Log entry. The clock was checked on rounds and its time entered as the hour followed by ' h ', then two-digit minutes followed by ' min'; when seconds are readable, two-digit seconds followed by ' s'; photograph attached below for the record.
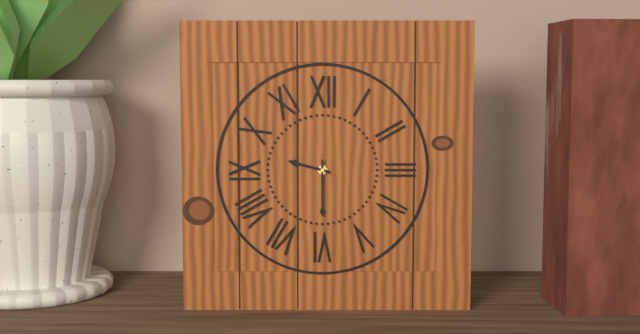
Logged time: 9 h 30 min
